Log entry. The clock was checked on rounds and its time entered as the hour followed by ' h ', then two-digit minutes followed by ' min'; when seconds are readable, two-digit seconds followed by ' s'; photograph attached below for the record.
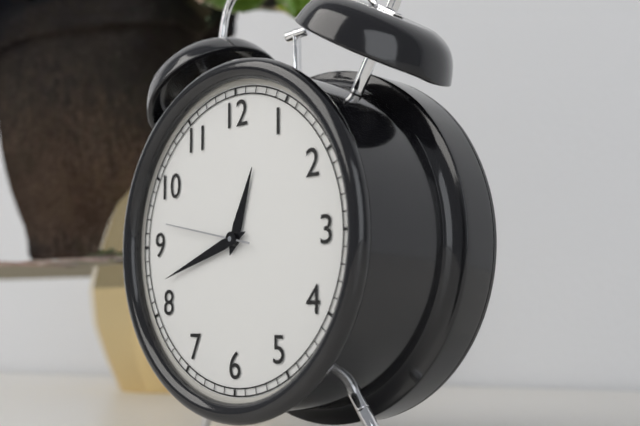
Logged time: 12 h 42 min 47 s
